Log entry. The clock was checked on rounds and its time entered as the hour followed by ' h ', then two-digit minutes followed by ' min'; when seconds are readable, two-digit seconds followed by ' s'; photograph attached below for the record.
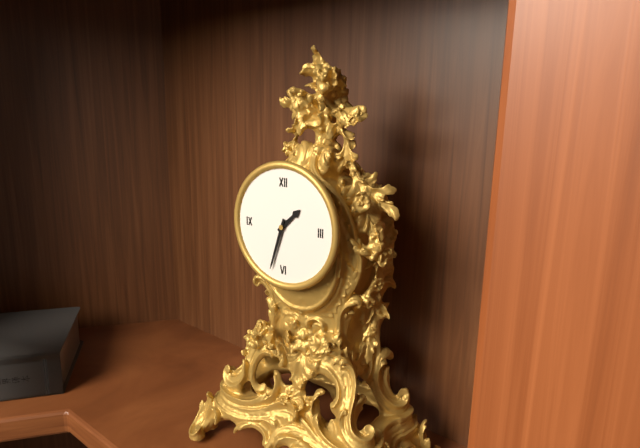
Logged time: 1 h 33 min
